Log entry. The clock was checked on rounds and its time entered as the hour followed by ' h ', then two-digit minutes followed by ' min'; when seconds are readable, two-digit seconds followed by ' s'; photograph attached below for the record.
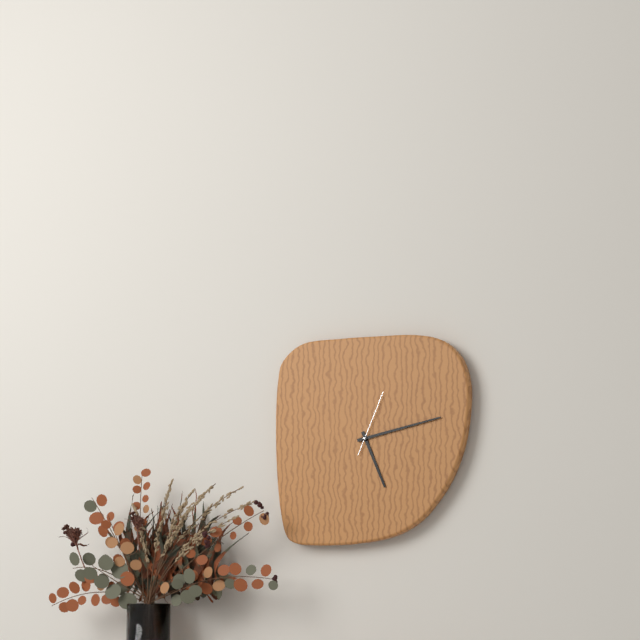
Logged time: 5 h 13 min 04 s
